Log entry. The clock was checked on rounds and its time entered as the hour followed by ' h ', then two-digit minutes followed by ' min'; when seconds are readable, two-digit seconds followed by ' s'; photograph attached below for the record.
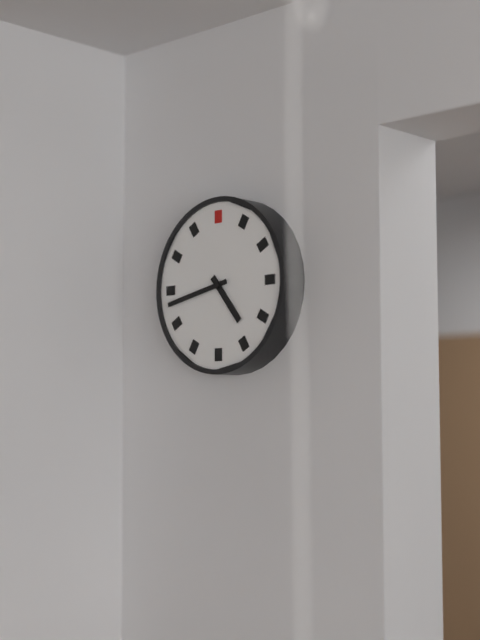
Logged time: 4 h 43 min
